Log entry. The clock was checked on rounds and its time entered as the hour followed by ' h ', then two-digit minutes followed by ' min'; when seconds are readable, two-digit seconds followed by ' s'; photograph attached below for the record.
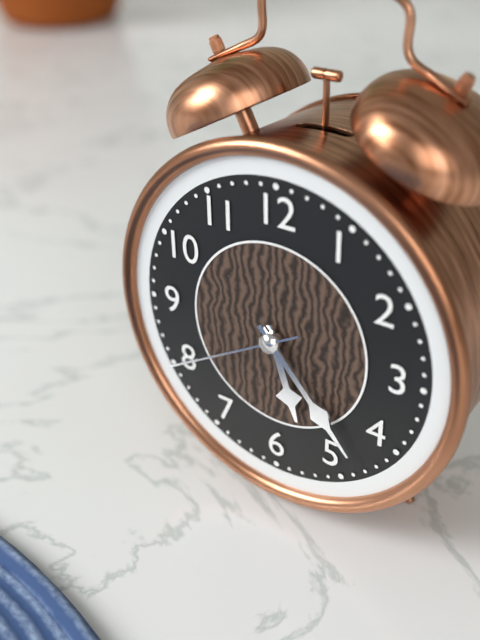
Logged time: 5 h 23 min 40 s
